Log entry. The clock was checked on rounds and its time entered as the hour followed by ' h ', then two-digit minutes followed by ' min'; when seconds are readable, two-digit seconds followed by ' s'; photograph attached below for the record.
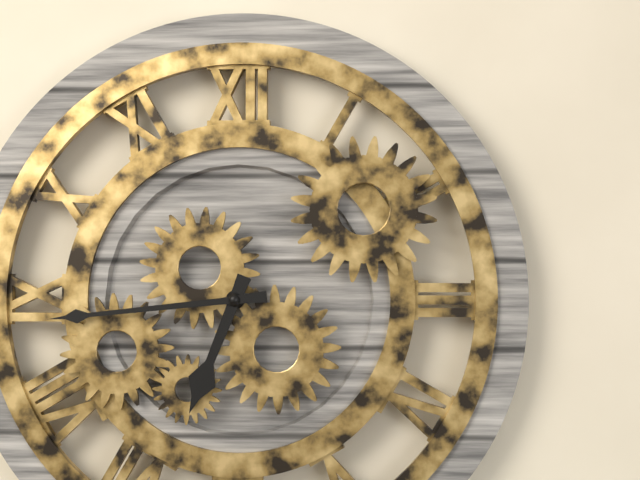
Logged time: 6 h 44 min
